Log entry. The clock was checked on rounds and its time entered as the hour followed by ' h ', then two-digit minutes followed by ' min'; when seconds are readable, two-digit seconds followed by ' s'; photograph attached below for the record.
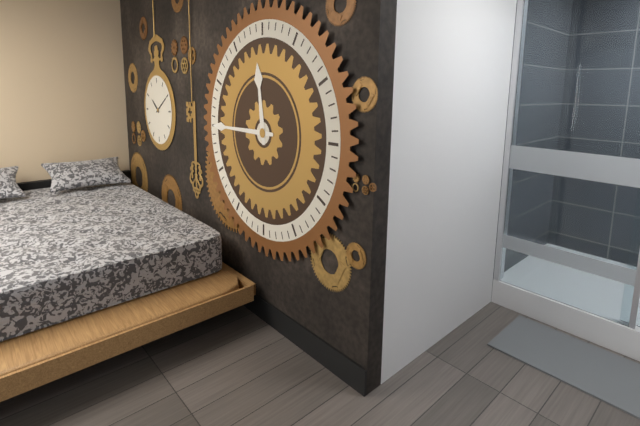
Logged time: 11 h 45 min
